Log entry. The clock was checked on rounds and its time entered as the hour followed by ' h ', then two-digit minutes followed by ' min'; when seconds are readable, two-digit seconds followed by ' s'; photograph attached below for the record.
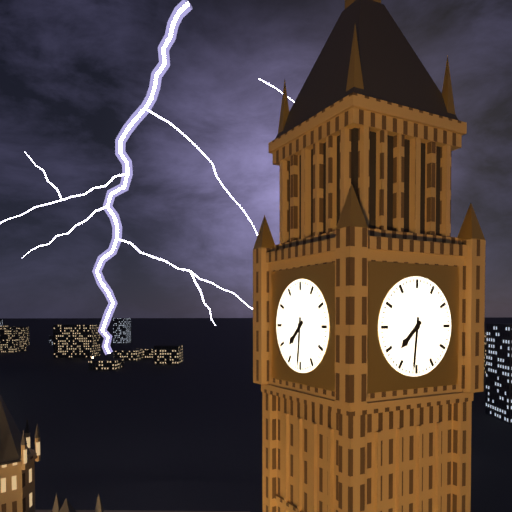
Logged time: 7 h 31 min
